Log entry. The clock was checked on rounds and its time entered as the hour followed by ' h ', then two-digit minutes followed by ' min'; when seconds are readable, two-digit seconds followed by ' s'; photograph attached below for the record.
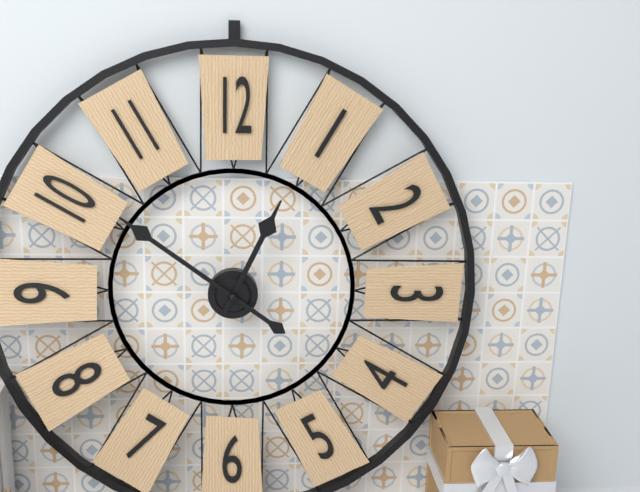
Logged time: 12 h 51 min
